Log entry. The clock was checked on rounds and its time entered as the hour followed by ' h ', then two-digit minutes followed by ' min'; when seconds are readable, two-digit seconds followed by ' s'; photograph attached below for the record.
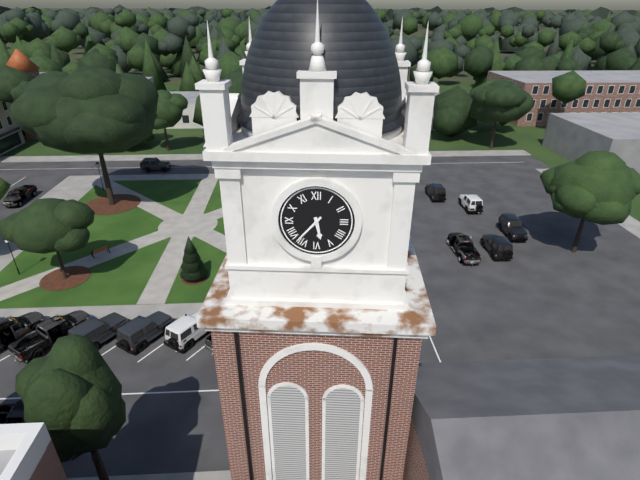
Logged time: 5 h 37 min
